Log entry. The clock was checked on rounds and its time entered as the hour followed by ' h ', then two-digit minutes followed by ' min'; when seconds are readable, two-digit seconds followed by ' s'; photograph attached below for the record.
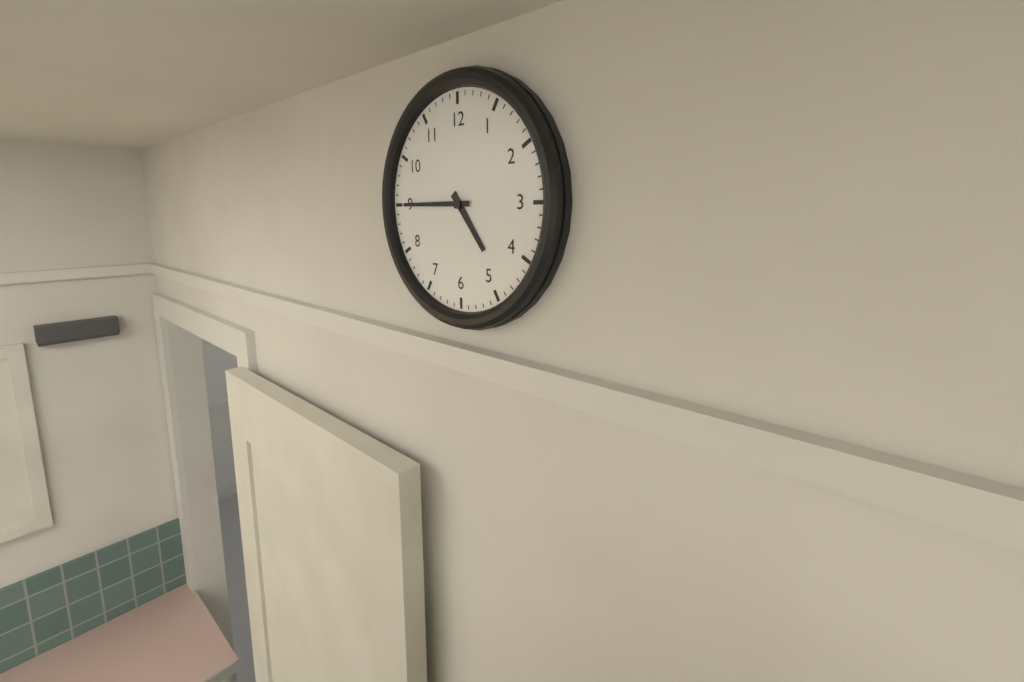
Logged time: 4 h 45 min
